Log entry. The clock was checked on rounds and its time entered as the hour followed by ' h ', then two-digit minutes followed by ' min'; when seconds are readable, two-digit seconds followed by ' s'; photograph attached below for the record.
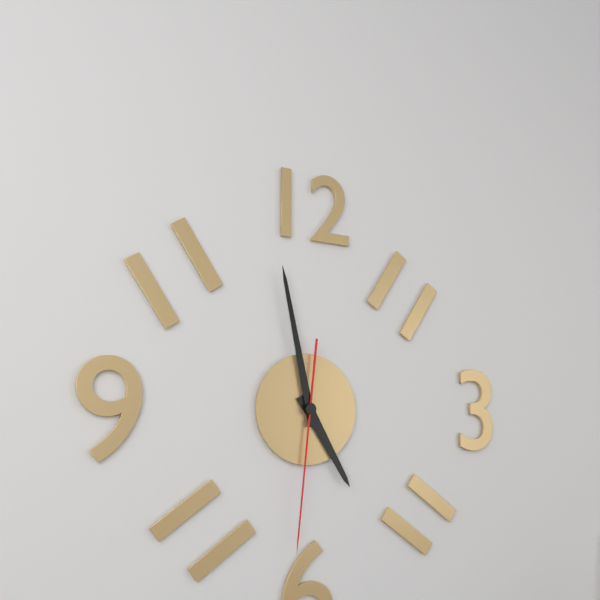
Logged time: 4 h 58 min 31 s
